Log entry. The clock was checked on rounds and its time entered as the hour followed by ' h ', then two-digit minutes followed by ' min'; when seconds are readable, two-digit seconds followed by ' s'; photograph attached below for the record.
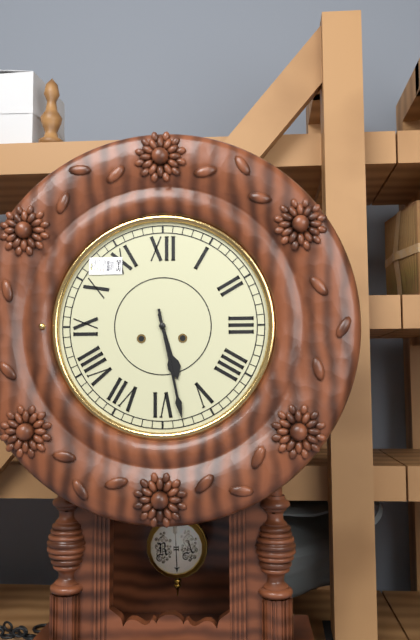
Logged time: 5 h 28 min
